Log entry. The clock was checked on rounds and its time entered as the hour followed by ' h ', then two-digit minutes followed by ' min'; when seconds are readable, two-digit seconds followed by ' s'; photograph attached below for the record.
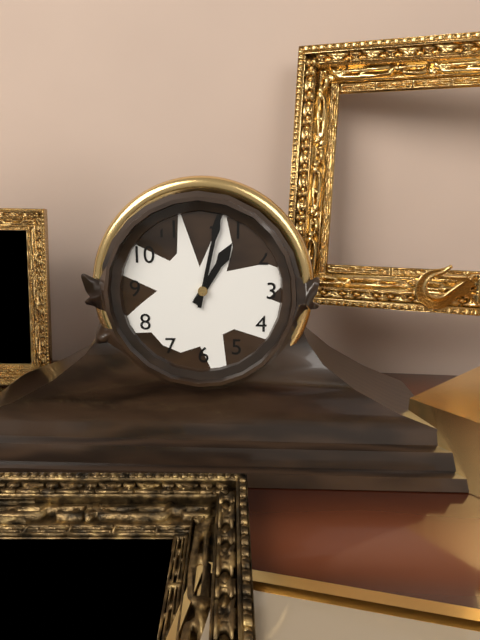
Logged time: 1 h 02 min
